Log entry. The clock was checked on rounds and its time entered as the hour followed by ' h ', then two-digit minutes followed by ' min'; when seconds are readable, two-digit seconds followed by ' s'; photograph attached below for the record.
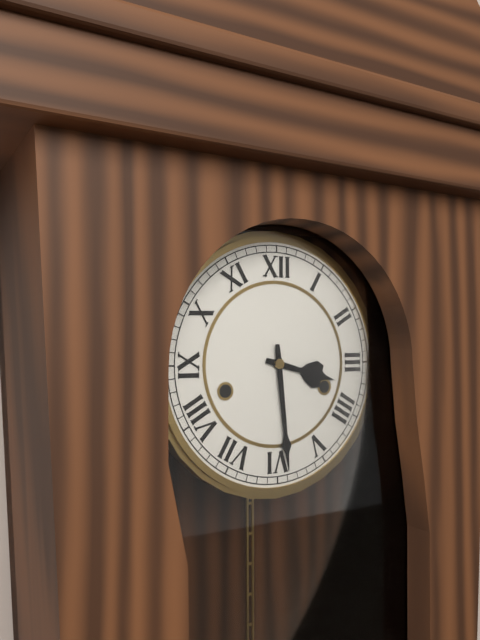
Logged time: 3 h 29 min
